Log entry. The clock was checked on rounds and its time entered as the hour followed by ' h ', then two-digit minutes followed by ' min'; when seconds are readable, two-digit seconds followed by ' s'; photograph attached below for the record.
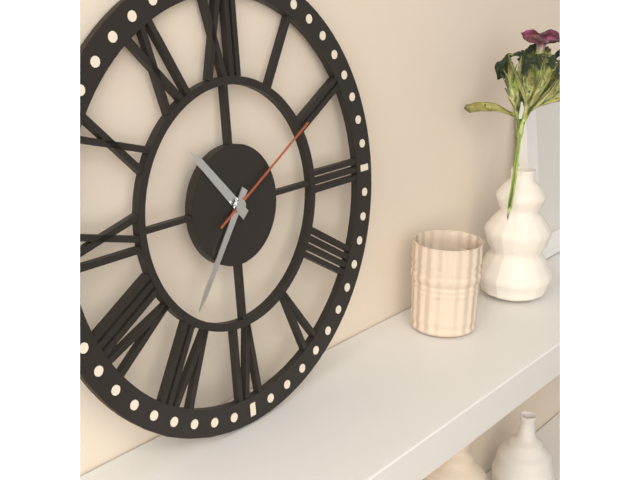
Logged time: 10 h 36 min 10 s
